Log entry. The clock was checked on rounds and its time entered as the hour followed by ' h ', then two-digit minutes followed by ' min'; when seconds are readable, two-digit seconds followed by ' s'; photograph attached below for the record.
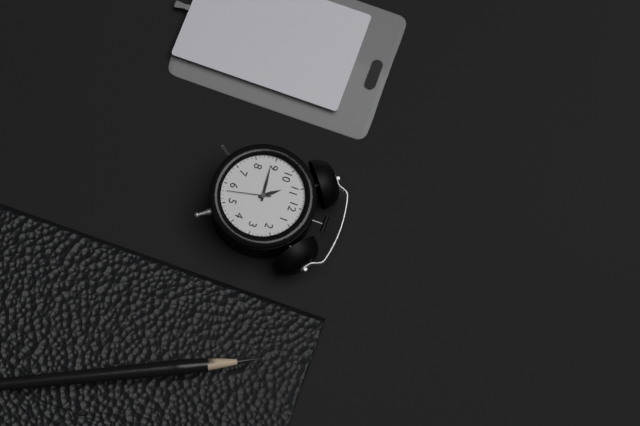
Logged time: 10 h 44 min
